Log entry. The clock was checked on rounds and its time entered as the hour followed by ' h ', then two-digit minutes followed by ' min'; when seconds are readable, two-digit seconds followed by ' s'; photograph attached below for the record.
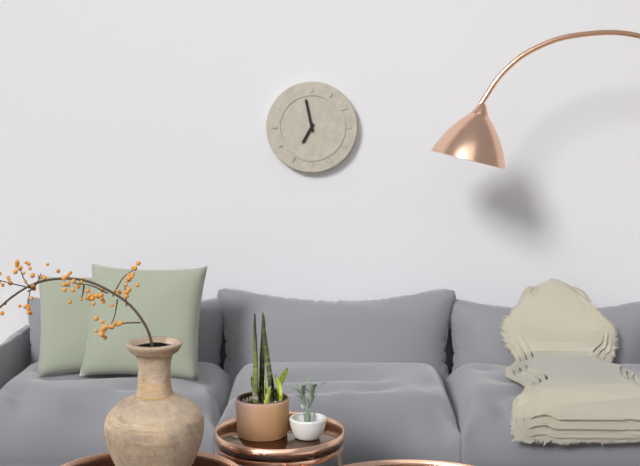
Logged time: 6 h 58 min
